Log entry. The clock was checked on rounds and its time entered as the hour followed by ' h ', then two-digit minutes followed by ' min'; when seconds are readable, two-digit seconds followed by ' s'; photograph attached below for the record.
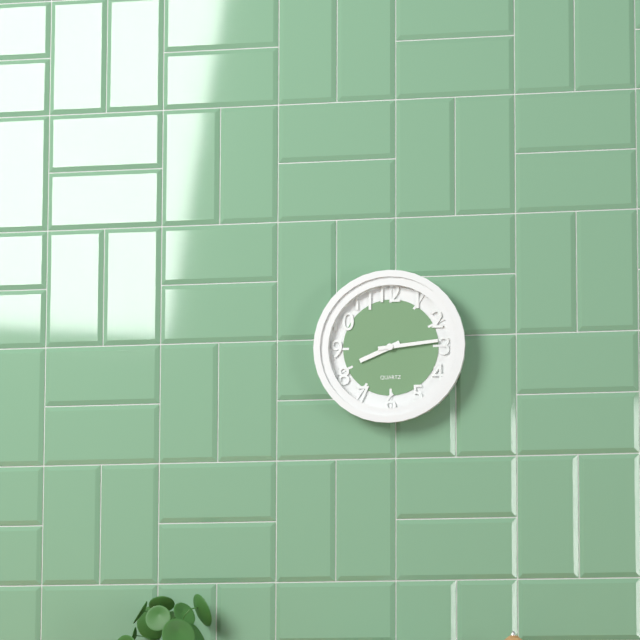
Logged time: 8 h 14 min
